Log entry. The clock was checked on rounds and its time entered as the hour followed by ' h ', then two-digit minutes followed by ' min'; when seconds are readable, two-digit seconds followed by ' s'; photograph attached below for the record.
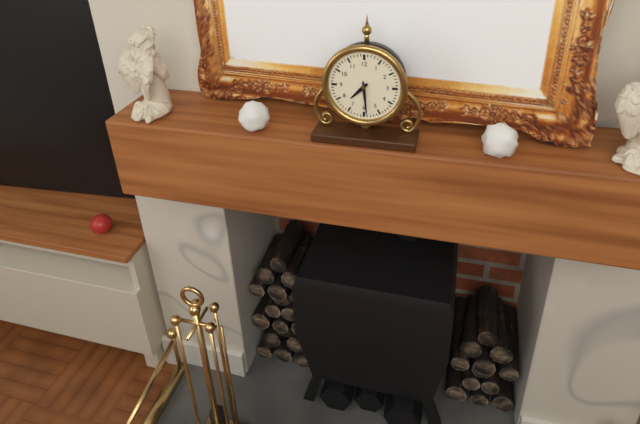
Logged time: 7 h 29 min
